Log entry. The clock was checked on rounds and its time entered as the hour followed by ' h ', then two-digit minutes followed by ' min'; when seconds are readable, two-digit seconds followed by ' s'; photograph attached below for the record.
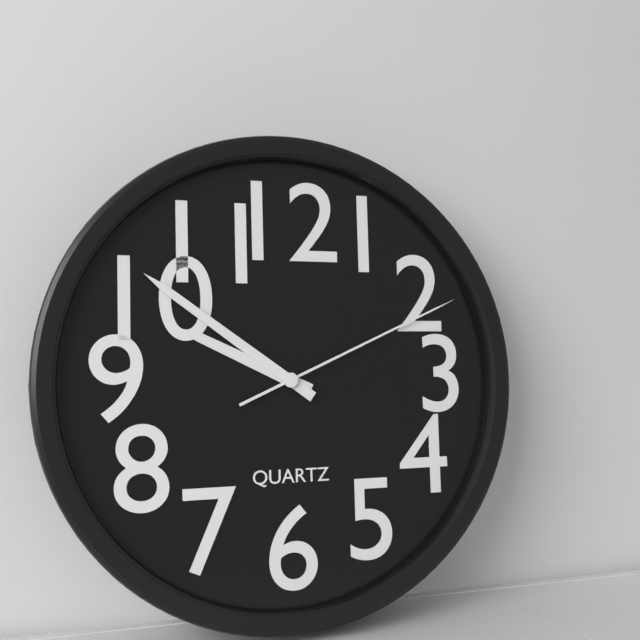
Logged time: 9 h 51 min 11 s
